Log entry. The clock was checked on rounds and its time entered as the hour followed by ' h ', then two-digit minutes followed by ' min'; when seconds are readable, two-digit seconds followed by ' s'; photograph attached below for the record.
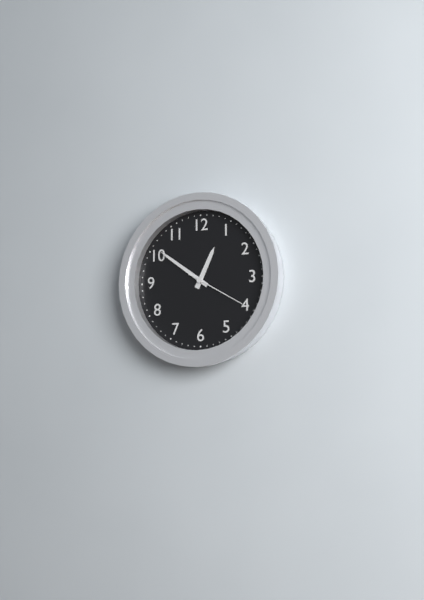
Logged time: 12 h 51 min 20 s
